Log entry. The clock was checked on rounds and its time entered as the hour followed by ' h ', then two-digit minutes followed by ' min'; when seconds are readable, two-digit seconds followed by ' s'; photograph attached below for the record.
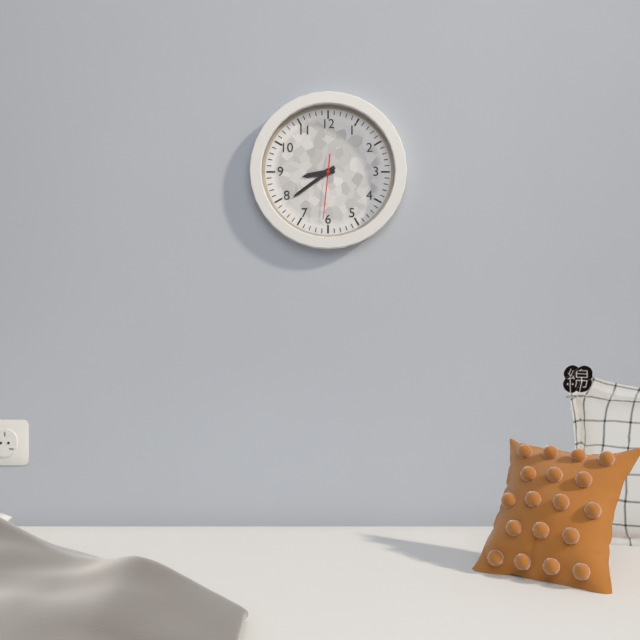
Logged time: 8 h 39 min 31 s
